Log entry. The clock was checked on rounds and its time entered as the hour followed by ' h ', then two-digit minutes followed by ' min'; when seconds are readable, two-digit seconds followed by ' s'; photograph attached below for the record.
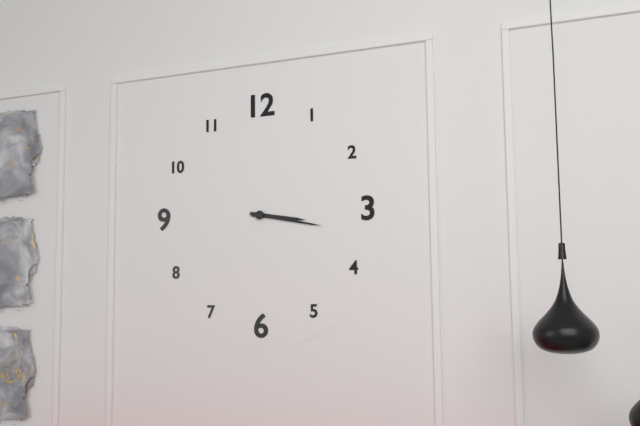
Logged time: 3 h 17 min
